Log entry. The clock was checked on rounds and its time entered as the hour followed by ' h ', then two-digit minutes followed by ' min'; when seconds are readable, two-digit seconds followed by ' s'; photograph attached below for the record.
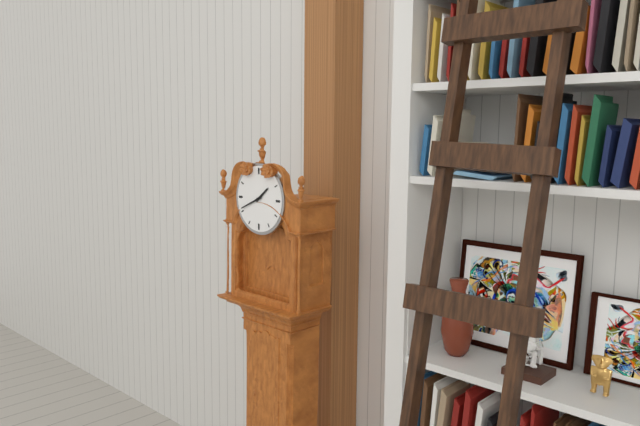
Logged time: 1 h 41 min
